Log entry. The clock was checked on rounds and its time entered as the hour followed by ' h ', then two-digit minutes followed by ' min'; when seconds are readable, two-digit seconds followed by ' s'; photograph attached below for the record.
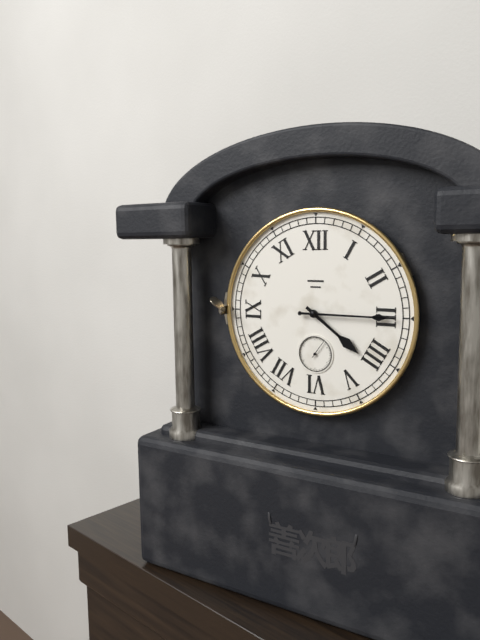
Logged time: 4 h 15 min
